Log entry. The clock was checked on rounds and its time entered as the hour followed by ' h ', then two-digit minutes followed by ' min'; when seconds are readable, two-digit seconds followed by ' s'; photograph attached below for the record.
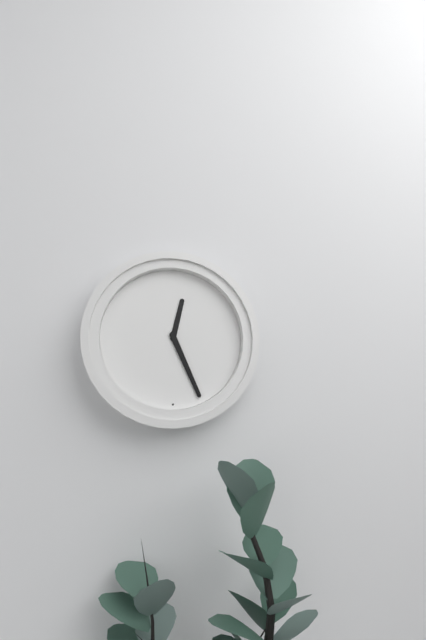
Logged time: 12 h 26 min
